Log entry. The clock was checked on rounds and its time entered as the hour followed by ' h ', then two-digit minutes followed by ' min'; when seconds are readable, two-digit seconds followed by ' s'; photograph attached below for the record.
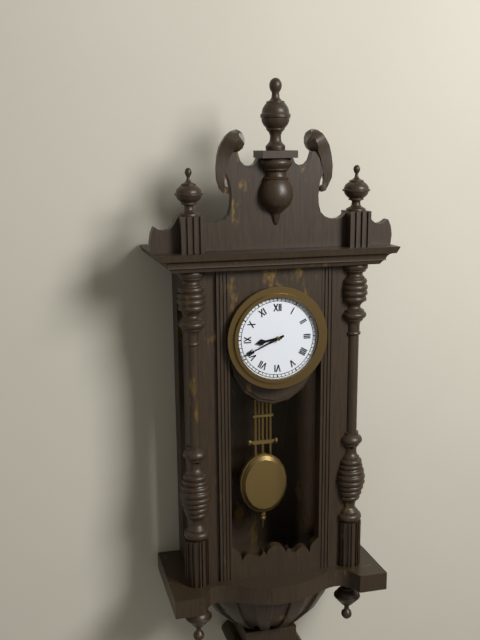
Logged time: 8 h 41 min
